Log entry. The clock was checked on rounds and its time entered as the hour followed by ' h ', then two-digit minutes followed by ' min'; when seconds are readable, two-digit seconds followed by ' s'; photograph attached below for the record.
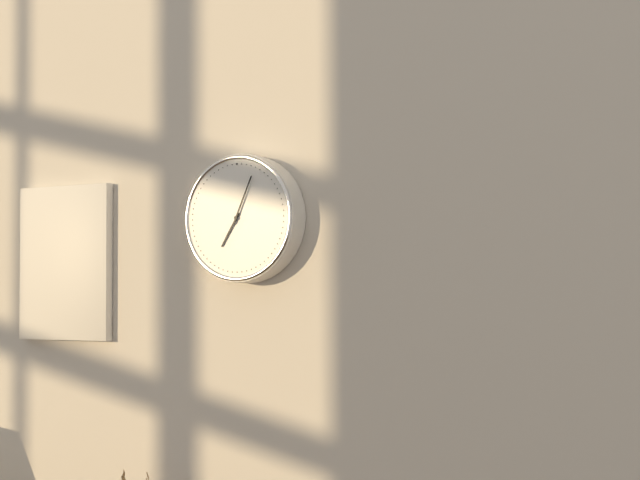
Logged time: 7 h 04 min
